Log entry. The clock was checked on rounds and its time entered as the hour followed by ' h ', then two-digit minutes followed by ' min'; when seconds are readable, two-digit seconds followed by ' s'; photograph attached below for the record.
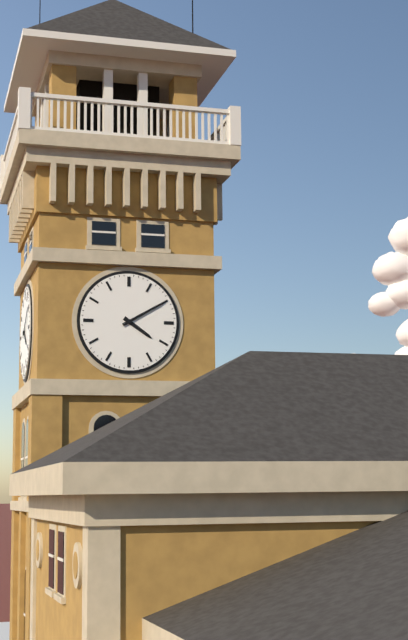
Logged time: 4 h 10 min
